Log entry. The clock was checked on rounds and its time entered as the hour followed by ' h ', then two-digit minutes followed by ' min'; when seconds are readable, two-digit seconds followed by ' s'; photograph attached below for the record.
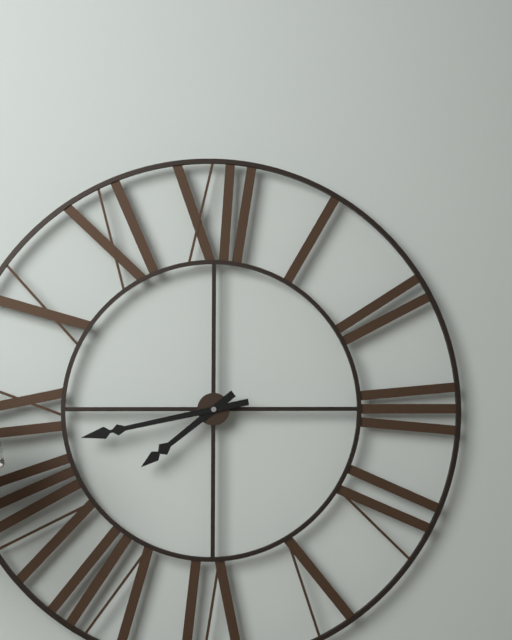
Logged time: 7 h 43 min
